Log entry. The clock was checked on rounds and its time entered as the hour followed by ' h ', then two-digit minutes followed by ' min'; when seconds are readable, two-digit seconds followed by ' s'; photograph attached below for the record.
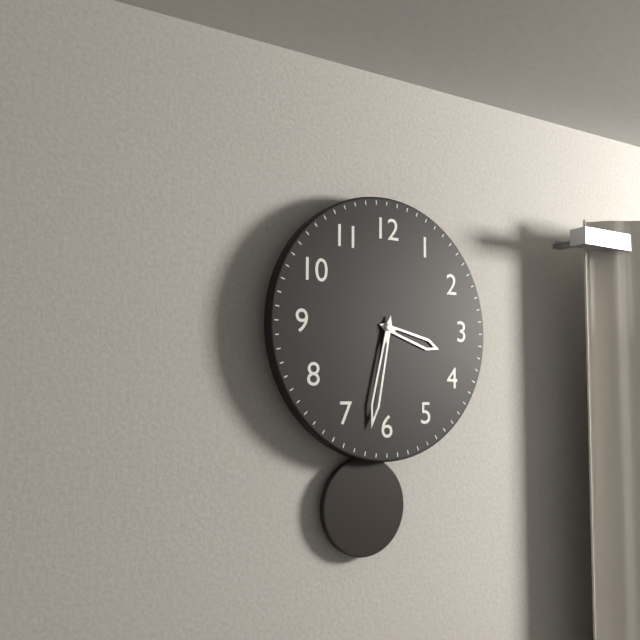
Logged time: 3 h 32 min
